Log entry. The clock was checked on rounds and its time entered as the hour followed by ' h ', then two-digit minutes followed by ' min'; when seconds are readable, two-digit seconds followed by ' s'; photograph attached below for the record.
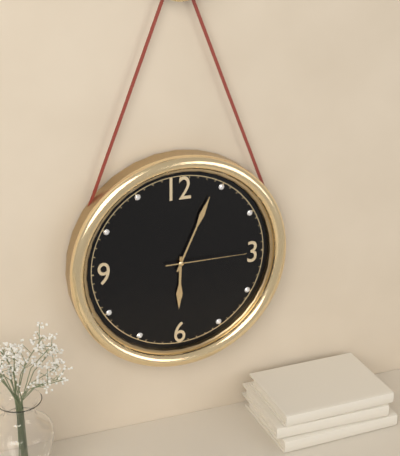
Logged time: 6 h 04 min 15 s
